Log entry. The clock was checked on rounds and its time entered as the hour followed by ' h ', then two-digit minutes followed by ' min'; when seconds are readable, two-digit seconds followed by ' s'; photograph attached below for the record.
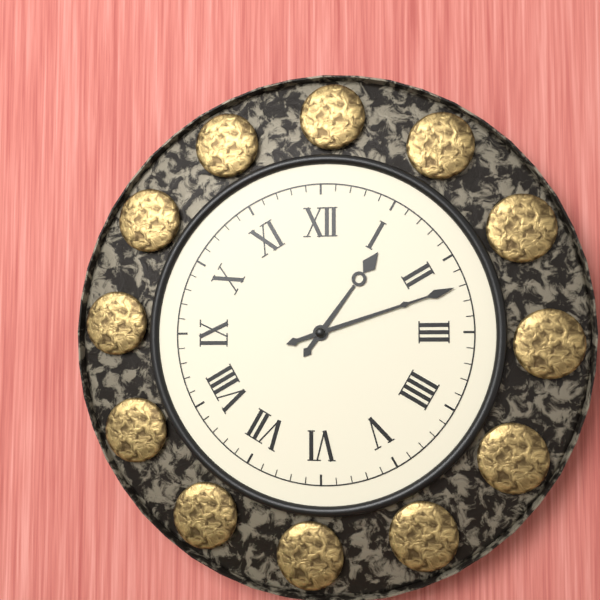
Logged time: 1 h 12 min
